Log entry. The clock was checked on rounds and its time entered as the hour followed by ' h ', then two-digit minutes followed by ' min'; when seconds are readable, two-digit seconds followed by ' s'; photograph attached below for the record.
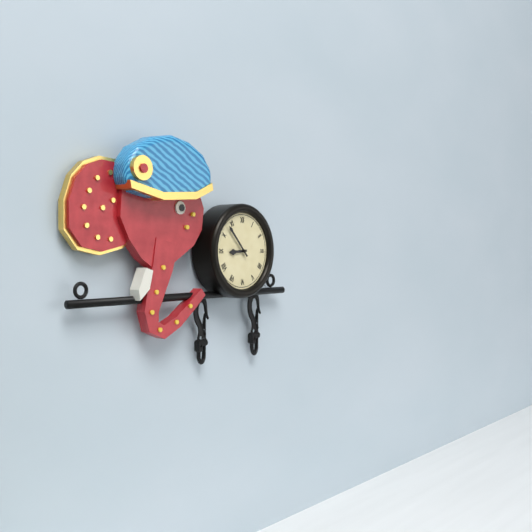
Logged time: 8 h 53 min
